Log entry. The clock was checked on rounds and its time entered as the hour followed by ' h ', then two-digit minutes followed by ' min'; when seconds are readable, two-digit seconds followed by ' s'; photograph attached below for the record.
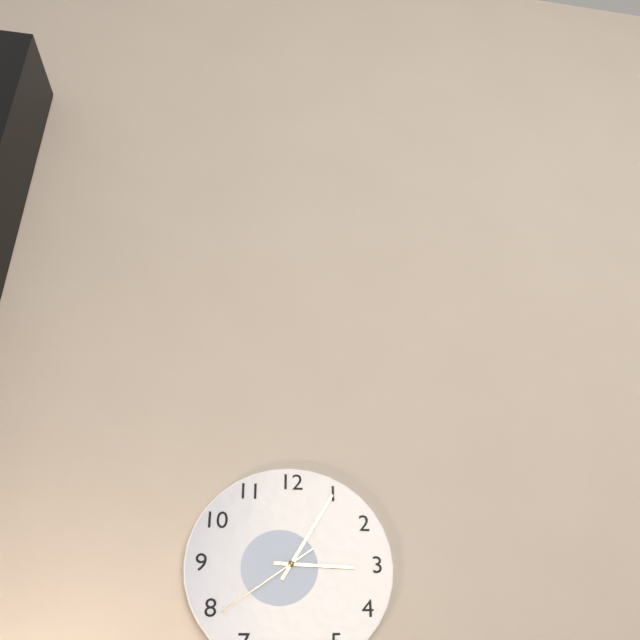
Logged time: 3 h 05 min 39 s
